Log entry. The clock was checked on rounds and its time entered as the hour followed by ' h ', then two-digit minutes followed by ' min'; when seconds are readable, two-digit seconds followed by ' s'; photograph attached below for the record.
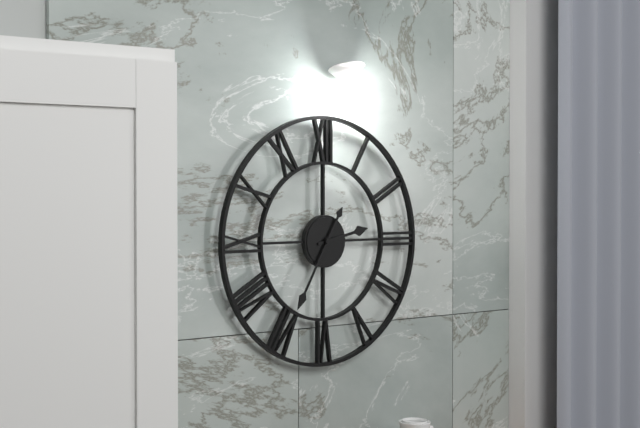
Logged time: 2 h 35 min
